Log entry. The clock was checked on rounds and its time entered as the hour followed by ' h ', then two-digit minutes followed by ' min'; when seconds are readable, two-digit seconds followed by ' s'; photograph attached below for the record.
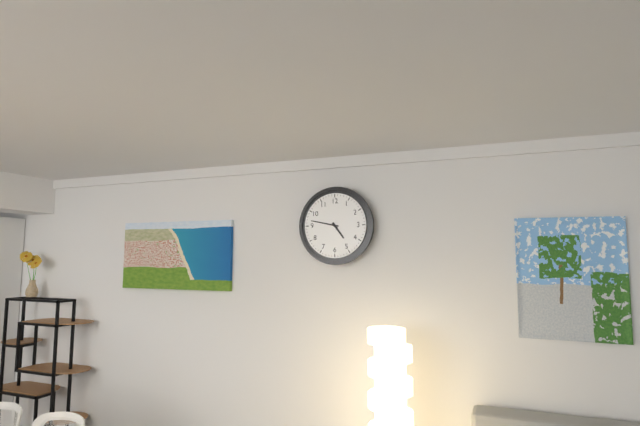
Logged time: 4 h 47 min
